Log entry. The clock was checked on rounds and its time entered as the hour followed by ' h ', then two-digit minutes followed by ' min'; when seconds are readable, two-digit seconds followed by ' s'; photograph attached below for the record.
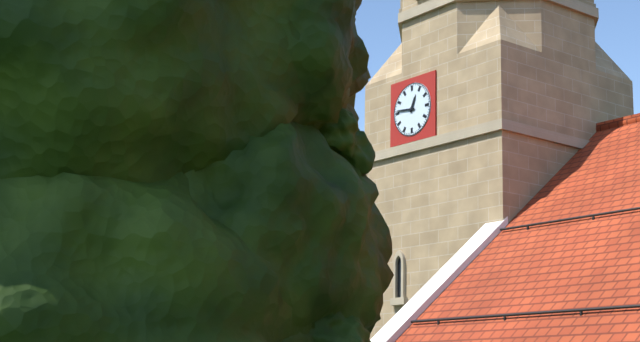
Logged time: 12 h 46 min
